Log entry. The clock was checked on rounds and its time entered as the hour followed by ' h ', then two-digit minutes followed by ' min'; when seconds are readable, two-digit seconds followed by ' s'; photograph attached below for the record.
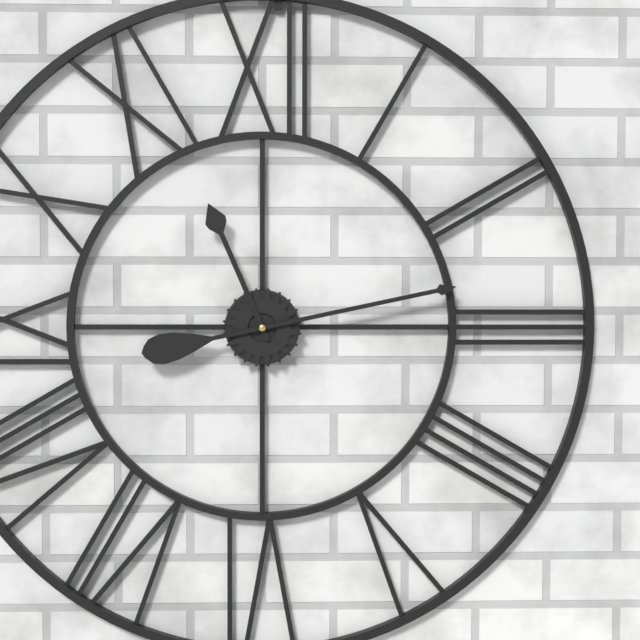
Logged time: 11 h 13 min
